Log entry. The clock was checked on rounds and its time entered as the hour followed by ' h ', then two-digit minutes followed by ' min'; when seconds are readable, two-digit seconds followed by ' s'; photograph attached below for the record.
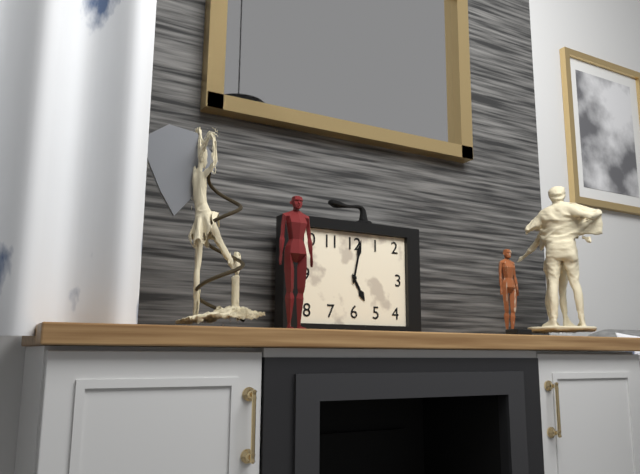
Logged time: 5 h 02 min
